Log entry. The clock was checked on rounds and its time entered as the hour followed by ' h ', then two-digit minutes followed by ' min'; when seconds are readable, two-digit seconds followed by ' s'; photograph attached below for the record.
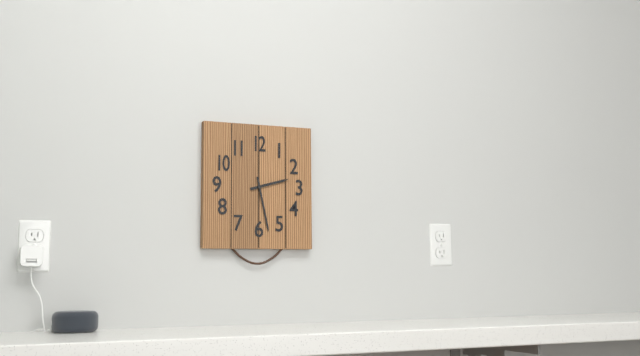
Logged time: 2 h 28 min
